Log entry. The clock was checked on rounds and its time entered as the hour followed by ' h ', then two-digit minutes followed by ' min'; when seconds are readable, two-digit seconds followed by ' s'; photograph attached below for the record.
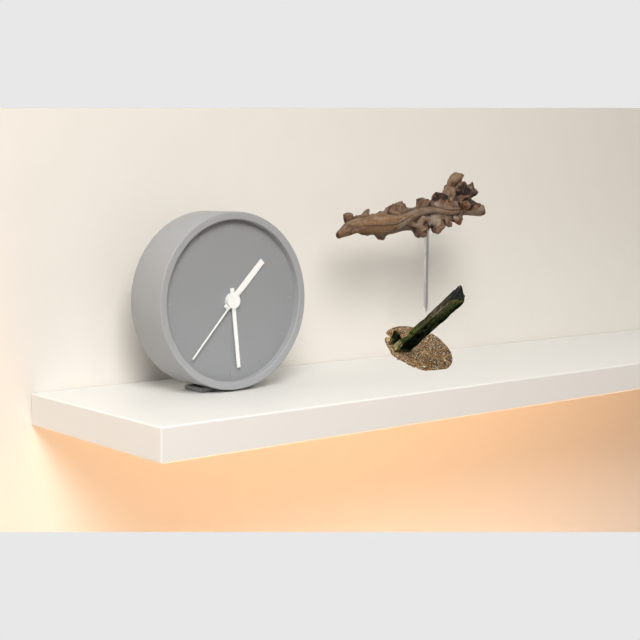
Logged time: 1 h 29 min 37 s
